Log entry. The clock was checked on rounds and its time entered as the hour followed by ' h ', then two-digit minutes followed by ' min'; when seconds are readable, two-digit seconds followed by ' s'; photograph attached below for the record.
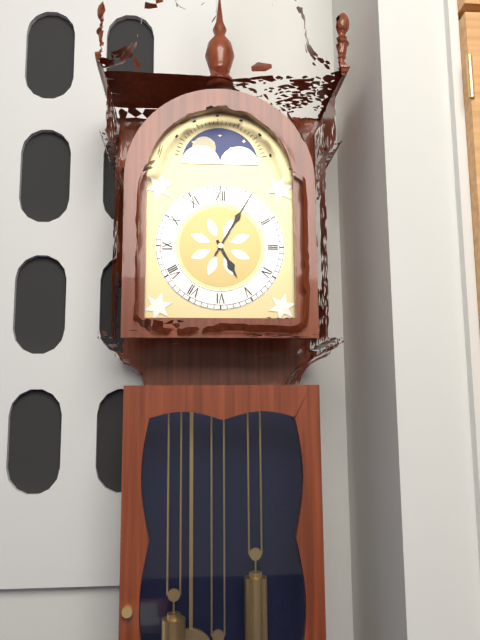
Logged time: 5 h 05 min
